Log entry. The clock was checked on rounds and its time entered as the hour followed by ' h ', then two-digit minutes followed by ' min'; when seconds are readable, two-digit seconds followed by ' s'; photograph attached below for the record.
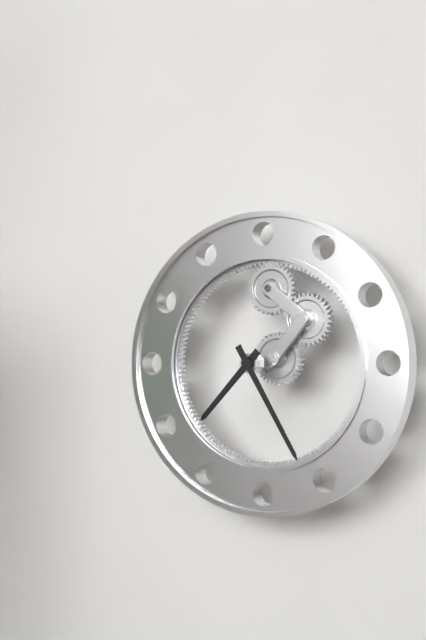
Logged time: 7 h 25 min
